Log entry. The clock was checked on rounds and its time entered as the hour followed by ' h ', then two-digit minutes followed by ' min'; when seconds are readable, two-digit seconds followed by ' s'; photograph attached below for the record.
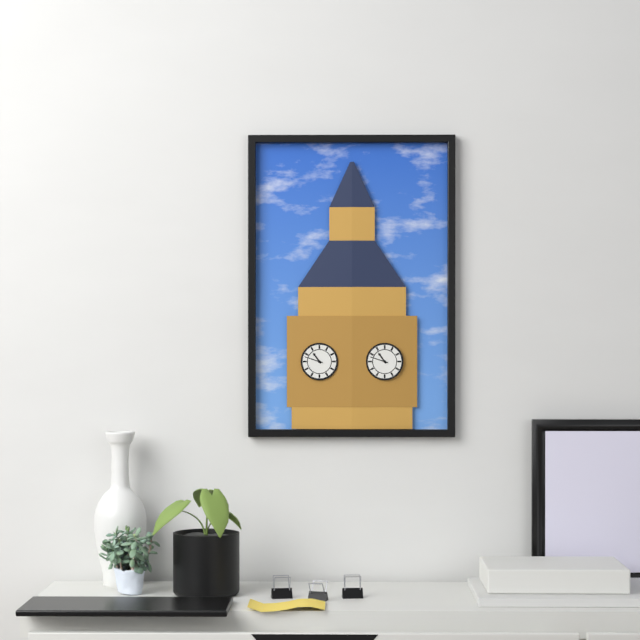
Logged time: 10 h 48 min
